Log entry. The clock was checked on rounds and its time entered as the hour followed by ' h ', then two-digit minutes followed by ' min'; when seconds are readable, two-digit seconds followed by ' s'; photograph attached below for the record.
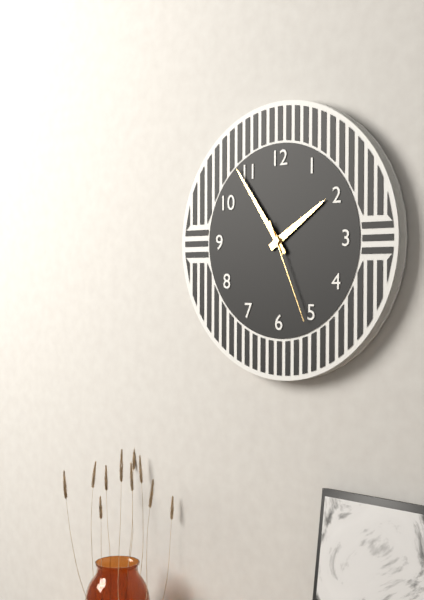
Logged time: 1 h 54 min 26 s
